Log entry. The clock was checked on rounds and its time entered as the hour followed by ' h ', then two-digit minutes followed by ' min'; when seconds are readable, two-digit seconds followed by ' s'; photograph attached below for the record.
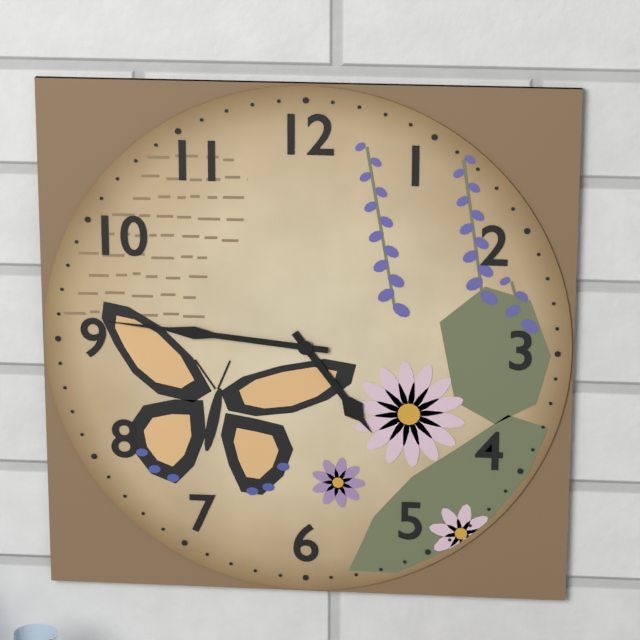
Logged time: 4 h 46 min
